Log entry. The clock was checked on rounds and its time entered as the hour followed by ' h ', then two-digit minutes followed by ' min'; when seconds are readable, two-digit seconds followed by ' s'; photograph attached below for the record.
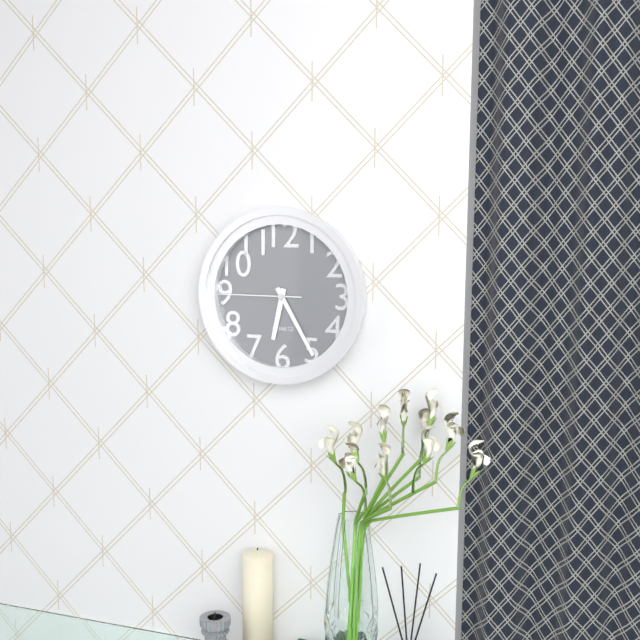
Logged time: 6 h 25 min 45 s
